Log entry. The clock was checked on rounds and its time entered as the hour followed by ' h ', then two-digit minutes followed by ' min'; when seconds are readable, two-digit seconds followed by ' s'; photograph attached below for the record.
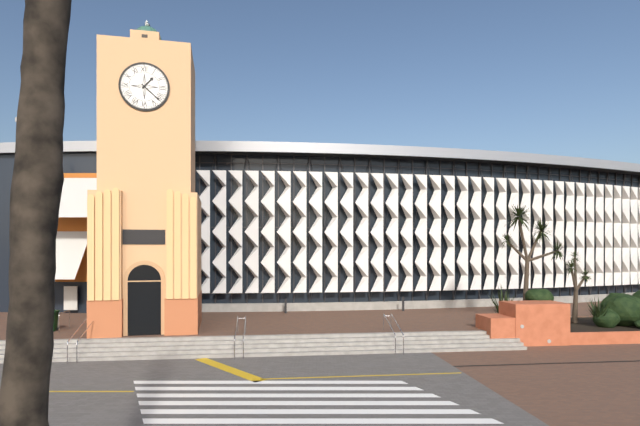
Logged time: 1 h 22 min
